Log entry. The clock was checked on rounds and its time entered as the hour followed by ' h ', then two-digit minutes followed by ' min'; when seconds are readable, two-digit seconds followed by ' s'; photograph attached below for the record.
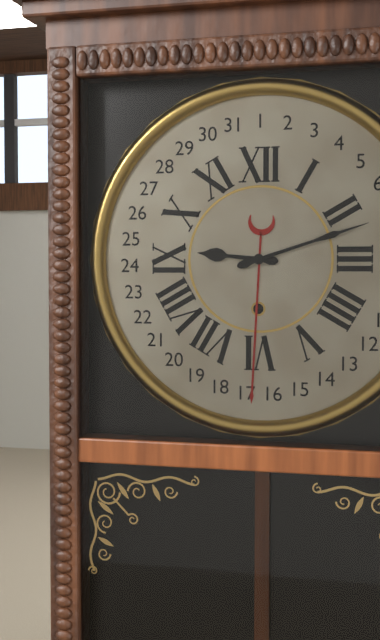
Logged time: 9 h 12 min
